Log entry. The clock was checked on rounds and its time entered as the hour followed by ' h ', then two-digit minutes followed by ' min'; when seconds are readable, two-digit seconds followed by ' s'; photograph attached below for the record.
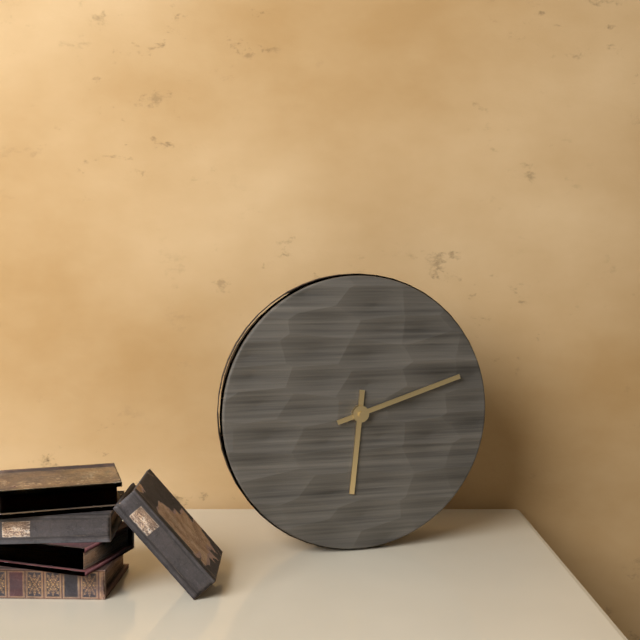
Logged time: 6 h 12 min
